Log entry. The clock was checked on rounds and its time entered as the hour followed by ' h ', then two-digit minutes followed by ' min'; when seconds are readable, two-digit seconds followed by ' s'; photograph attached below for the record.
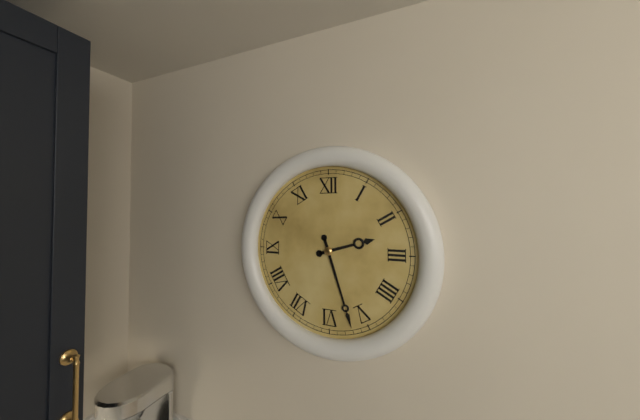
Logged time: 2 h 27 min
